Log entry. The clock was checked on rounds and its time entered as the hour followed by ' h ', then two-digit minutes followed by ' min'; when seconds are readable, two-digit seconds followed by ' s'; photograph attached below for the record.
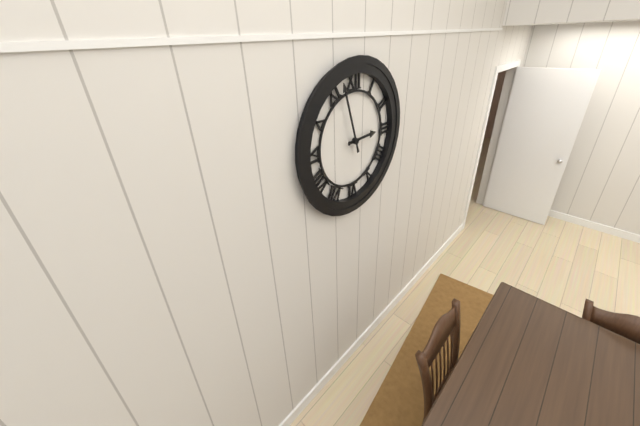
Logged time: 2 h 57 min
